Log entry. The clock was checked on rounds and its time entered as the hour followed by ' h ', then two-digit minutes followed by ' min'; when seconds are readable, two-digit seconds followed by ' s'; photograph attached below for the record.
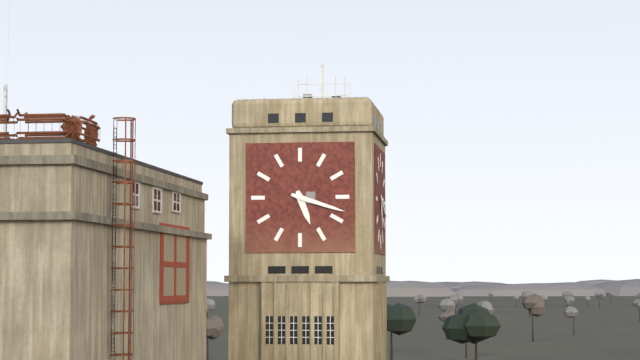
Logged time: 5 h 18 min
